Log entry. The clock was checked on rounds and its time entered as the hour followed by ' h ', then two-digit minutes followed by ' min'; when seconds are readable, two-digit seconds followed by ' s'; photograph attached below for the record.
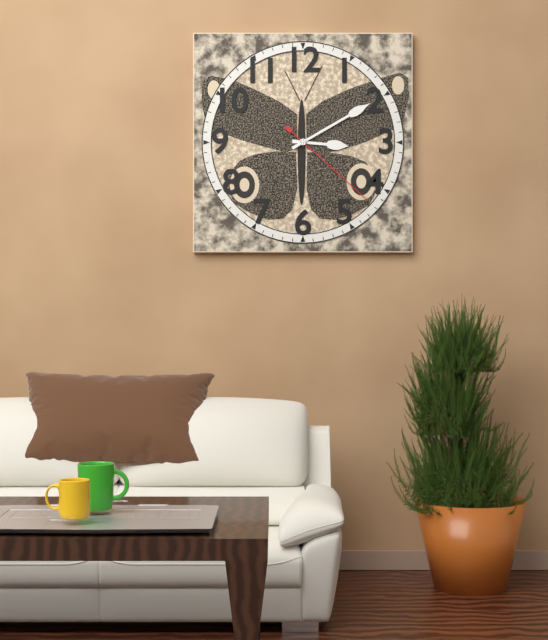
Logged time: 3 h 10 min 22 s
